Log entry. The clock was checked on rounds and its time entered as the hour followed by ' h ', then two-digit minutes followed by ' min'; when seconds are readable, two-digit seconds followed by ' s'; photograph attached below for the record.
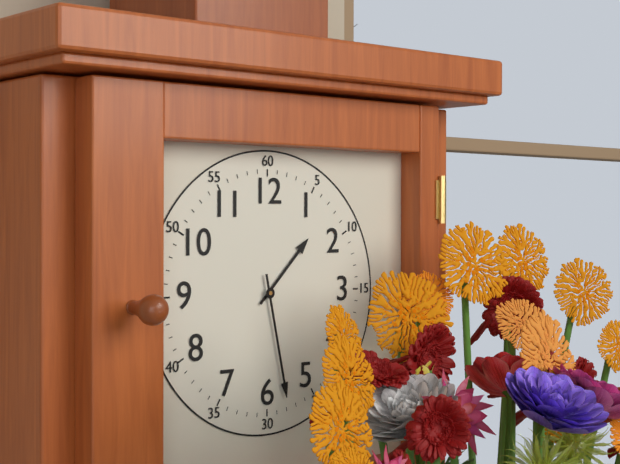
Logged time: 1 h 28 min
